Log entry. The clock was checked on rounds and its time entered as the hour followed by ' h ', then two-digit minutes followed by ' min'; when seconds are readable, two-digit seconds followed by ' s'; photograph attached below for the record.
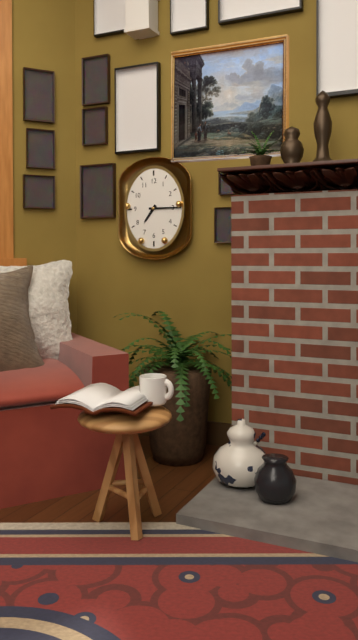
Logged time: 7 h 15 min
